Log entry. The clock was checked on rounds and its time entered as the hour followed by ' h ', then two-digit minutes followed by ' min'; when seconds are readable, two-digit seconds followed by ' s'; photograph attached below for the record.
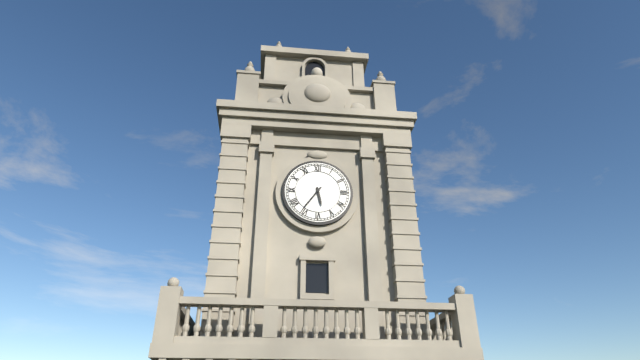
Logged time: 5 h 36 min
